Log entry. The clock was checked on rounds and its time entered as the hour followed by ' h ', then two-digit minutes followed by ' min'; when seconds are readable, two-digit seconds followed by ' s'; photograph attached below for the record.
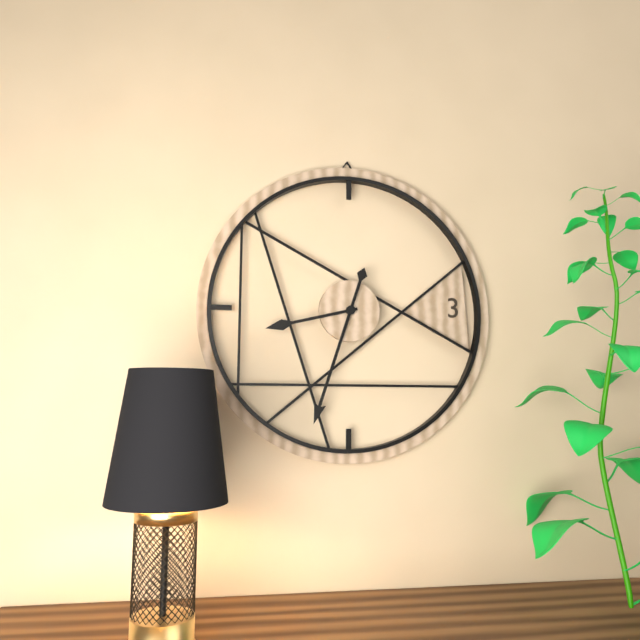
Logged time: 8 h 33 min
